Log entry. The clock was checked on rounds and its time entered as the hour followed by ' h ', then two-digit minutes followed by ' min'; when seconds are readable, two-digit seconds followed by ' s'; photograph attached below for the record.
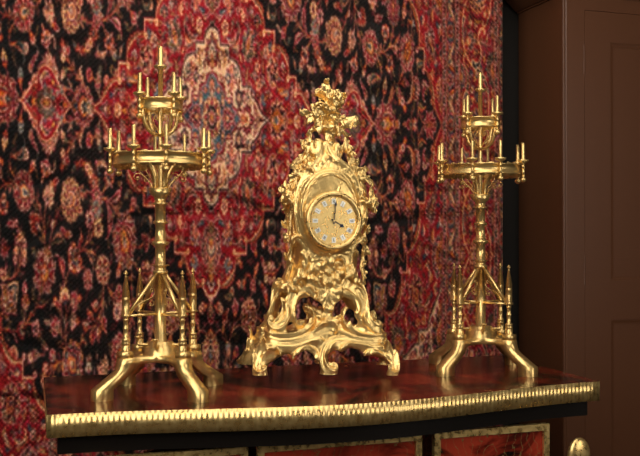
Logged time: 4 h 01 min
